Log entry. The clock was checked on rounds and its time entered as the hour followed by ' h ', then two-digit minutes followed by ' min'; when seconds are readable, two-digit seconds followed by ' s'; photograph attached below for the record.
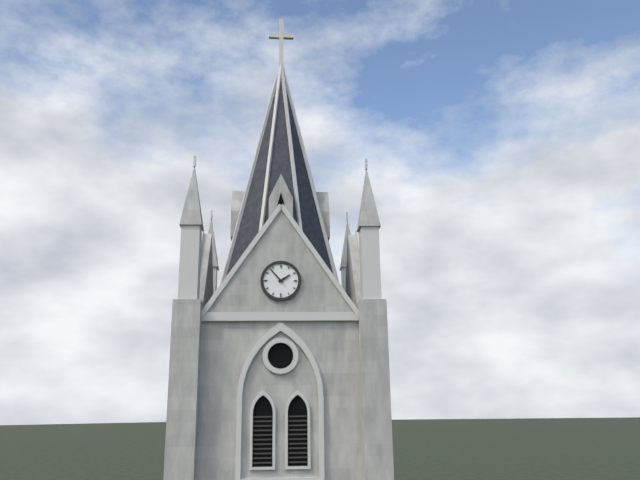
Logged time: 1 h 53 min
